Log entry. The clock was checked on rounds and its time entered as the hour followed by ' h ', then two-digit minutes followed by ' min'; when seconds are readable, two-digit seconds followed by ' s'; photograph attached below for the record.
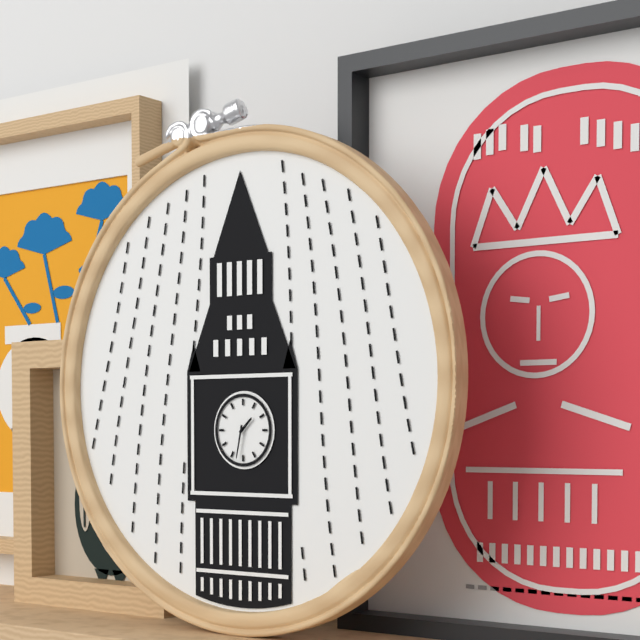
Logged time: 1 h 32 min
